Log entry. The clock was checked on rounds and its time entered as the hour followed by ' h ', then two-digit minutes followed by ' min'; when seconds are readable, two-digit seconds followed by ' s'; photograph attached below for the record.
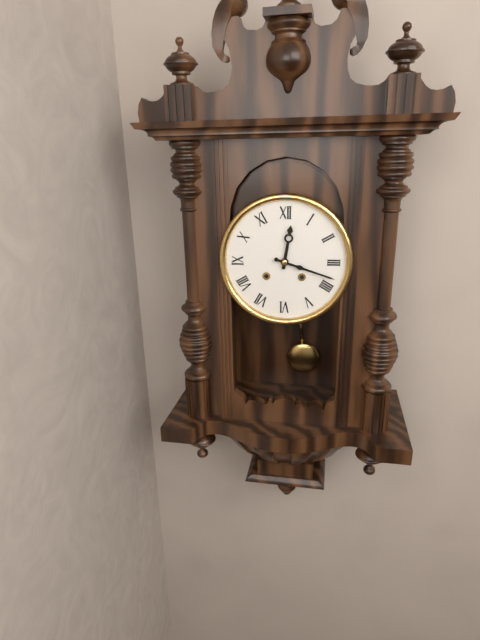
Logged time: 12 h 18 min
